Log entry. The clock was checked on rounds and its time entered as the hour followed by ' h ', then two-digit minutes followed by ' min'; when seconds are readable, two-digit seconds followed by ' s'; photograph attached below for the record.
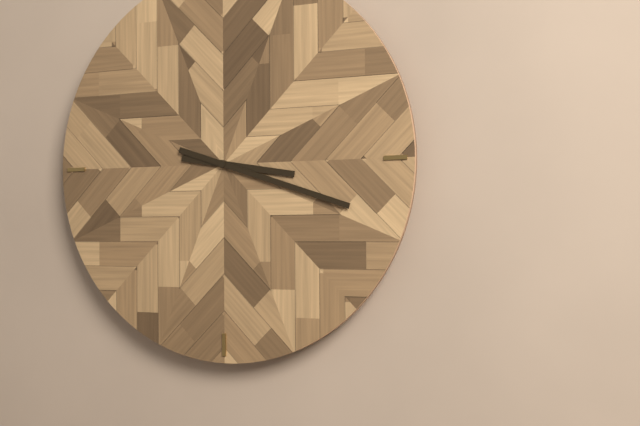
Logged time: 3 h 18 min
